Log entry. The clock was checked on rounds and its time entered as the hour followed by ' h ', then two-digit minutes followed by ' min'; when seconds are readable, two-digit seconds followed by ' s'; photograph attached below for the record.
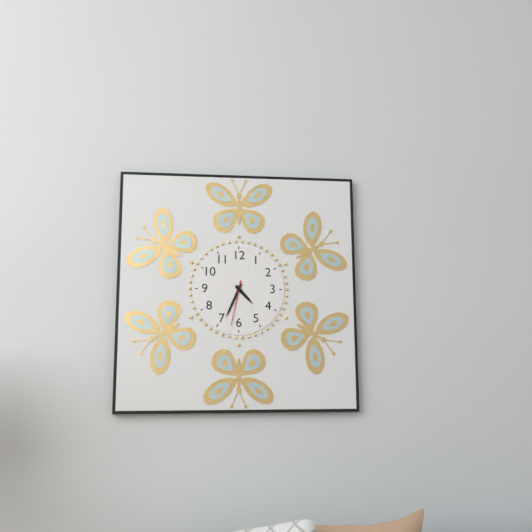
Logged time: 4 h 34 min
